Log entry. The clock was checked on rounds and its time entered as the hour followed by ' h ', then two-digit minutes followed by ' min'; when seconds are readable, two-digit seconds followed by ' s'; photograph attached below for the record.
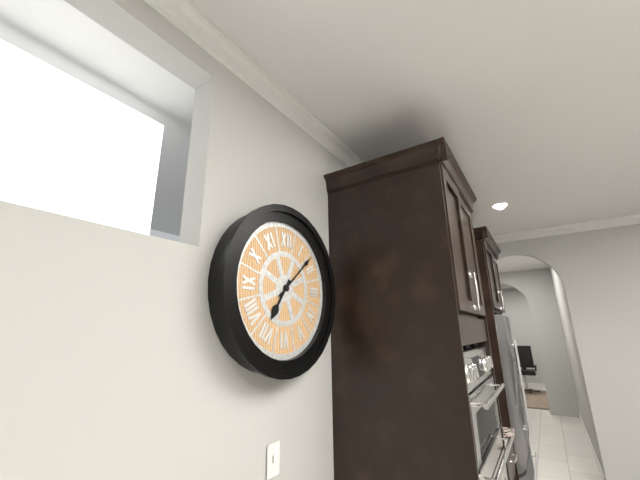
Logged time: 7 h 08 min
